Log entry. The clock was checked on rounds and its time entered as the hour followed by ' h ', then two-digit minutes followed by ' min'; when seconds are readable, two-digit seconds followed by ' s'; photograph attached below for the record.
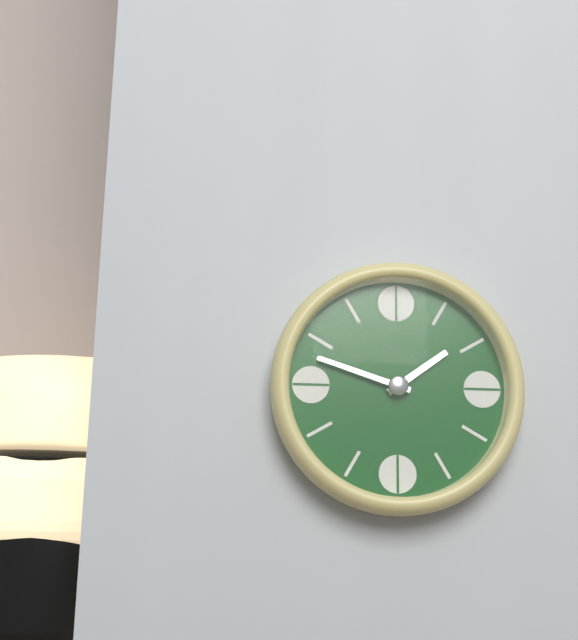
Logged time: 1 h 48 min
